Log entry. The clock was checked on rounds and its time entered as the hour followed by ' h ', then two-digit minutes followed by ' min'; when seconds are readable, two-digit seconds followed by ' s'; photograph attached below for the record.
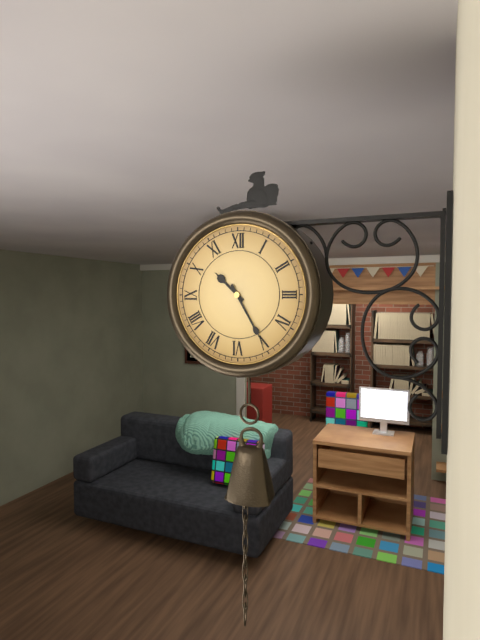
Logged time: 10 h 25 min
